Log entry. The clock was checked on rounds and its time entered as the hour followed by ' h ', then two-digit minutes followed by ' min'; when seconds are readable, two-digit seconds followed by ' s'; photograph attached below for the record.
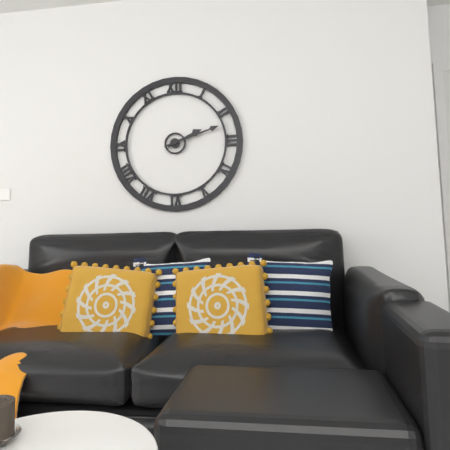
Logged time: 2 h 12 min
